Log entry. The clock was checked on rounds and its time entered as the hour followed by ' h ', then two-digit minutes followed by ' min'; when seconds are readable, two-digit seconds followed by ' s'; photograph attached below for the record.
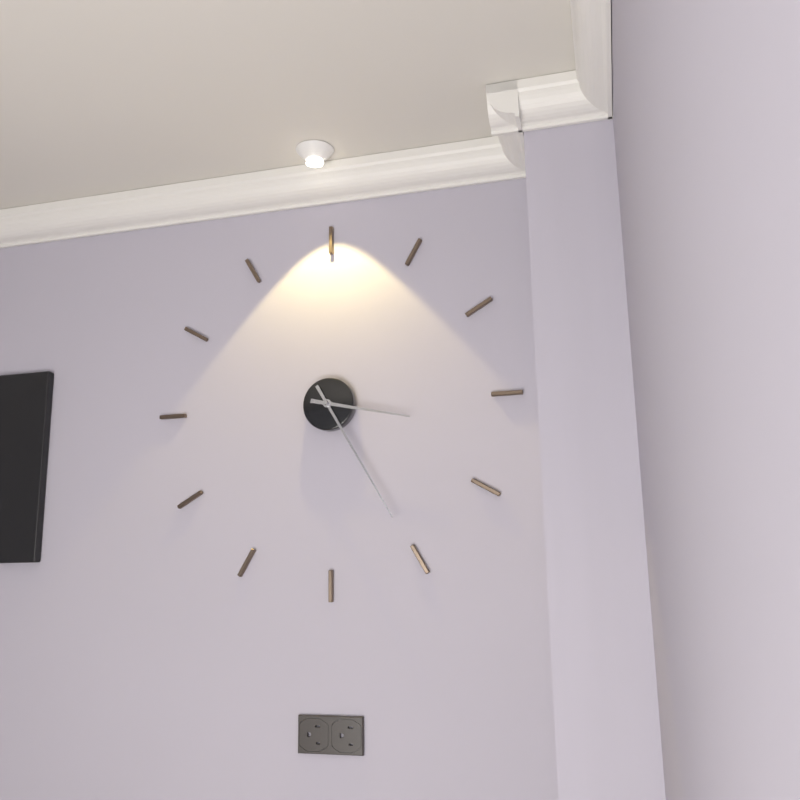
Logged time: 3 h 25 min
